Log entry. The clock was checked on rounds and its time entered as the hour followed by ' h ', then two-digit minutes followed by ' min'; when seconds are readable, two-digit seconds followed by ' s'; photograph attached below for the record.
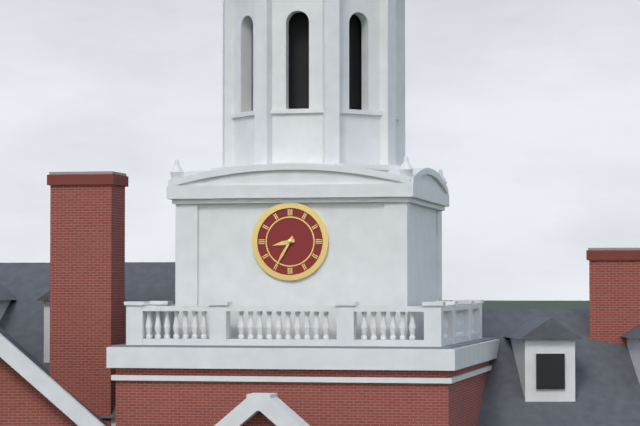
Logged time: 8 h 35 min
